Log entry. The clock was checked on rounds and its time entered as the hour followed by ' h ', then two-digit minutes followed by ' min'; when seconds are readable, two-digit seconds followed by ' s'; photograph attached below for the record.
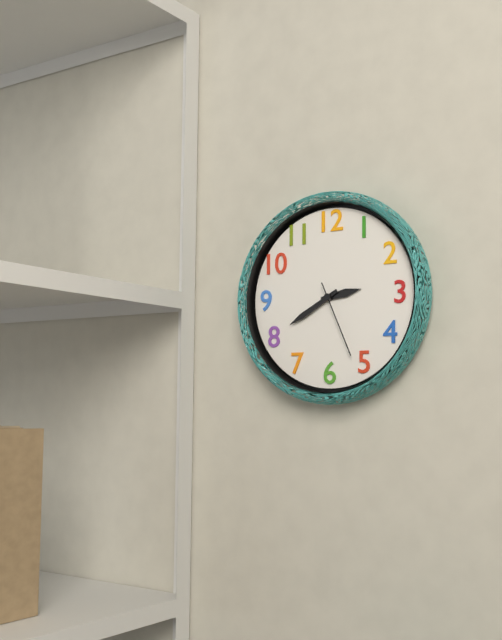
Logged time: 2 h 40 min 26 s
